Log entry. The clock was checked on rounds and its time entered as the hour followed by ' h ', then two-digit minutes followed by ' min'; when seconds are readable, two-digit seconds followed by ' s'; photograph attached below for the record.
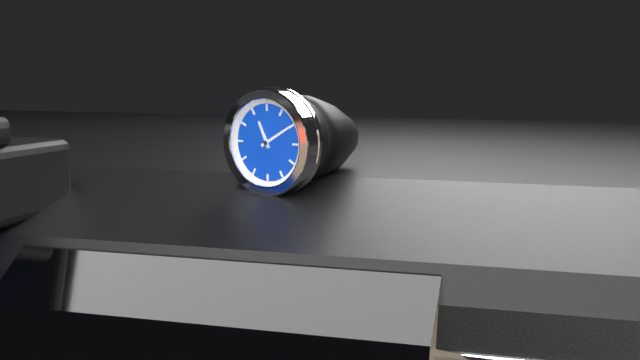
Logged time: 11 h 10 min
